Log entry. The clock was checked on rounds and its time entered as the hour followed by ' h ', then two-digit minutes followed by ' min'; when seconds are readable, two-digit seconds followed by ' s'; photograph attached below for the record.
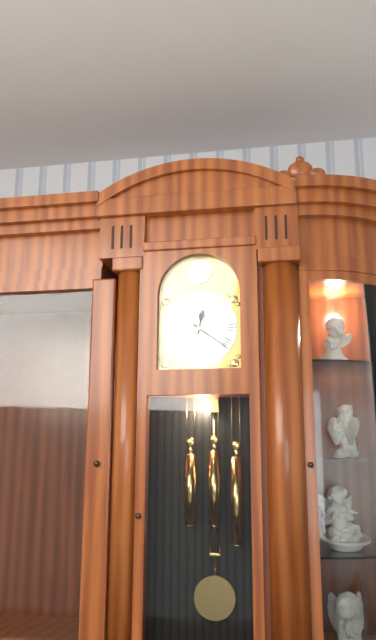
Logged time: 12 h 21 min
